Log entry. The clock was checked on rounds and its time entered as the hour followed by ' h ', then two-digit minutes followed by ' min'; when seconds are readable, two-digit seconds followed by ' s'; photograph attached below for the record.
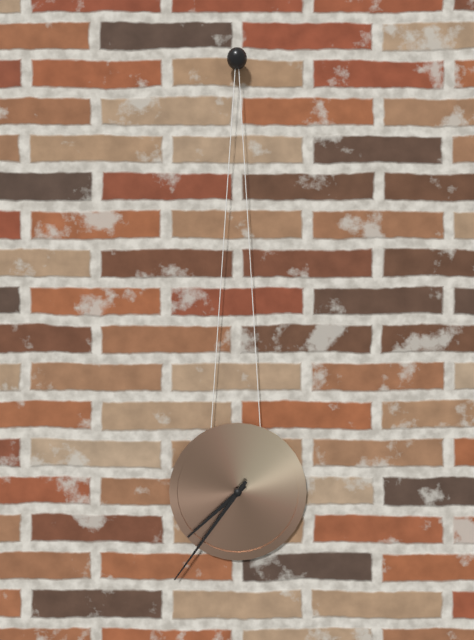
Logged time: 7 h 36 min
